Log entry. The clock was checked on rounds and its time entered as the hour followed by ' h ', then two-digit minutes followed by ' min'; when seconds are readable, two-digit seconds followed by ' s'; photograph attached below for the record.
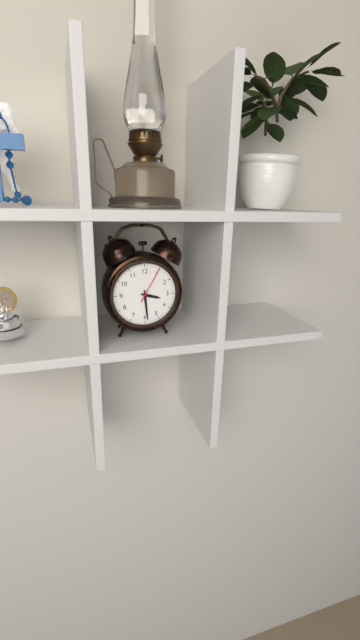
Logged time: 3 h 29 min
